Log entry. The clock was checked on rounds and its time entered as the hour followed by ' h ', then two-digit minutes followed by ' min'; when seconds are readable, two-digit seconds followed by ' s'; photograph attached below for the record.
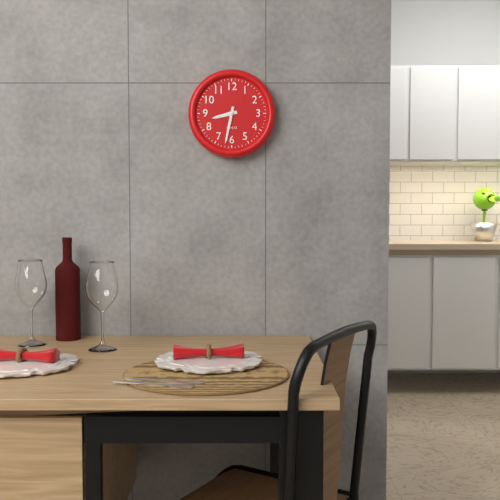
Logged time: 8 h 32 min
